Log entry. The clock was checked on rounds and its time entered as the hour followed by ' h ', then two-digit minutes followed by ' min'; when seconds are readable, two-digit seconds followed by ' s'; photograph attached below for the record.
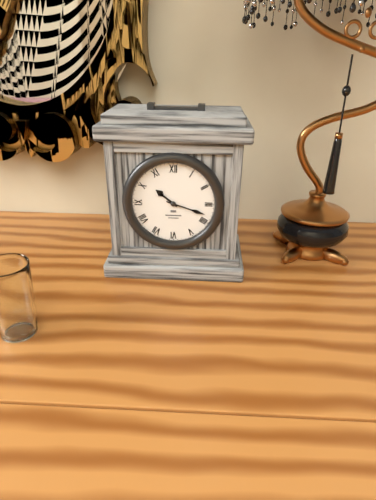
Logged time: 10 h 18 min
